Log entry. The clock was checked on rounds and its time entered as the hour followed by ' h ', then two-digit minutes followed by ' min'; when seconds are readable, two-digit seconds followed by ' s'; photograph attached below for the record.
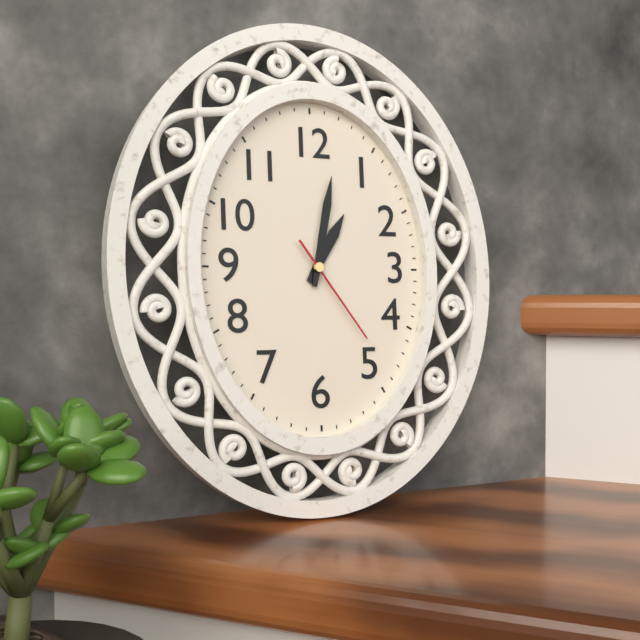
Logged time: 1 h 02 min 24 s
